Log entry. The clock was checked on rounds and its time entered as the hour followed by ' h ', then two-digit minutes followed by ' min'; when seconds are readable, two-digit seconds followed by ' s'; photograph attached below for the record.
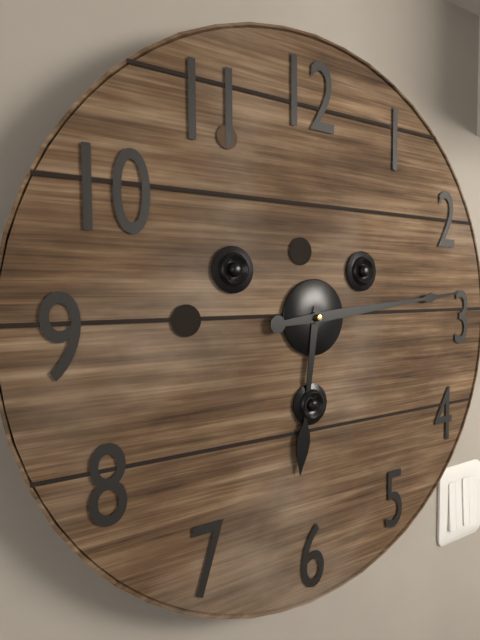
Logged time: 6 h 14 min
